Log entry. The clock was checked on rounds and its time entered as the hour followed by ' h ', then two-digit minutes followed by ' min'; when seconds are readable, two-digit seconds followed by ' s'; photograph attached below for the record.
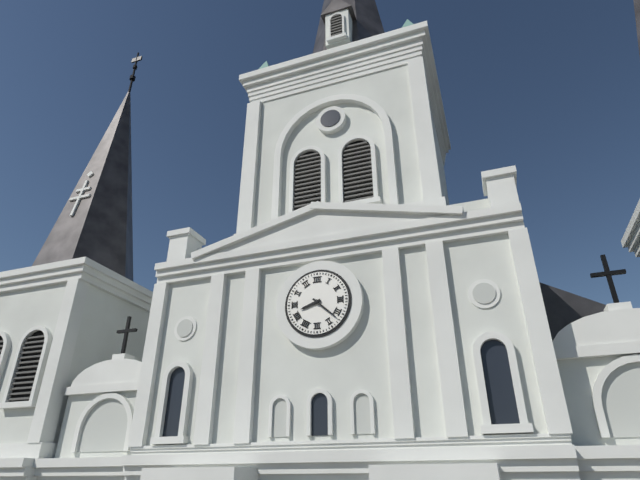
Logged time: 8 h 22 min
